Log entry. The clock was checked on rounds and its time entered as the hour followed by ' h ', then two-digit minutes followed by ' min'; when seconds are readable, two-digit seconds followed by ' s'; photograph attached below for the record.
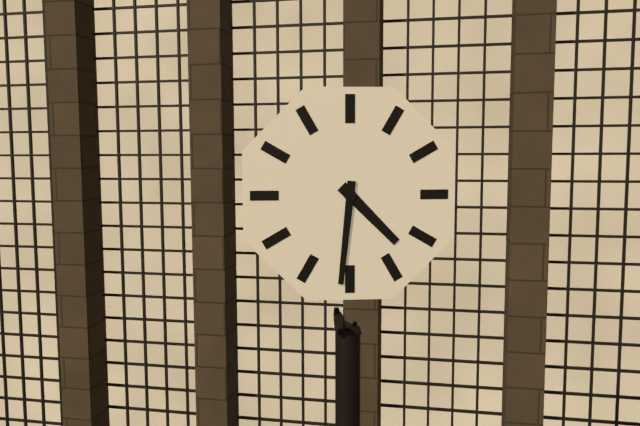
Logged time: 4 h 31 min
